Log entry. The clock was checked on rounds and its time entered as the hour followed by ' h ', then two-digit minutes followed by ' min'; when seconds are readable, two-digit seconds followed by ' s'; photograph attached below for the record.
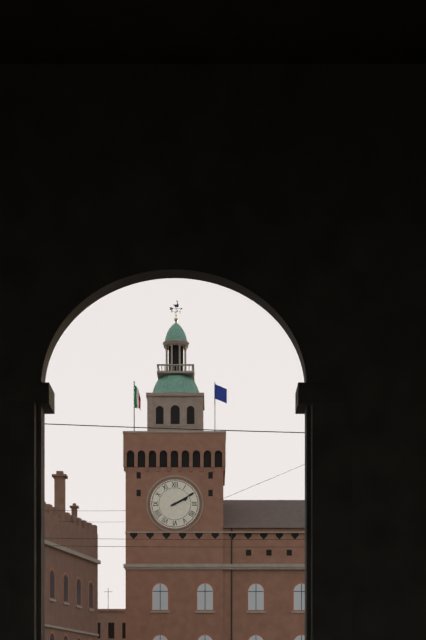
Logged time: 2 h 10 min
